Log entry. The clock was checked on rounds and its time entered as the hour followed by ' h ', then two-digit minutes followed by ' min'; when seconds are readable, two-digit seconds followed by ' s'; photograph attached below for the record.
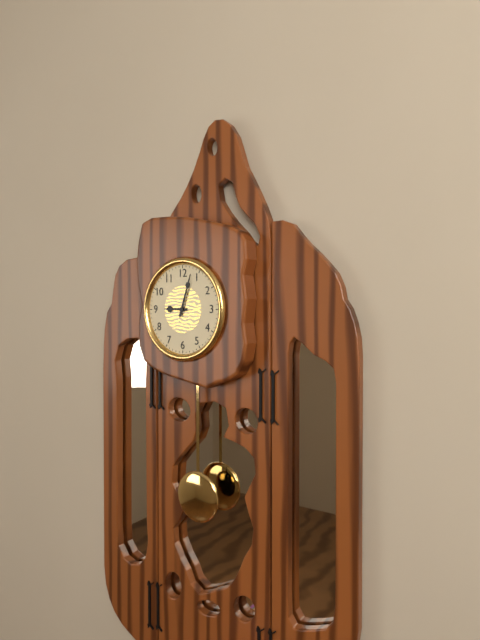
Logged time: 9 h 03 min
